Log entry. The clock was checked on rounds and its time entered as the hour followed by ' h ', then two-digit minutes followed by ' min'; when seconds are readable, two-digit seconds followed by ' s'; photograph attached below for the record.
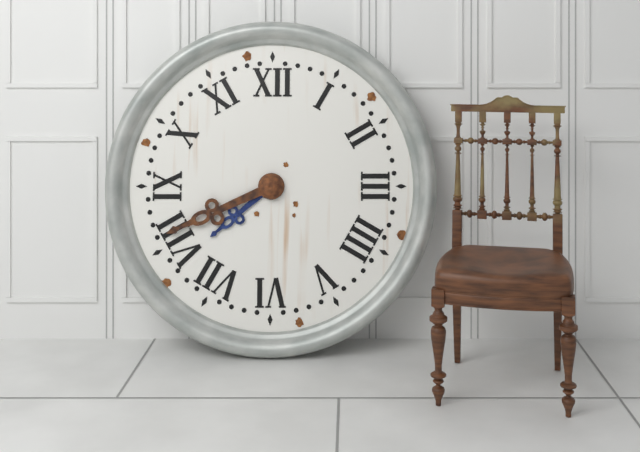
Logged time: 7 h 41 min
